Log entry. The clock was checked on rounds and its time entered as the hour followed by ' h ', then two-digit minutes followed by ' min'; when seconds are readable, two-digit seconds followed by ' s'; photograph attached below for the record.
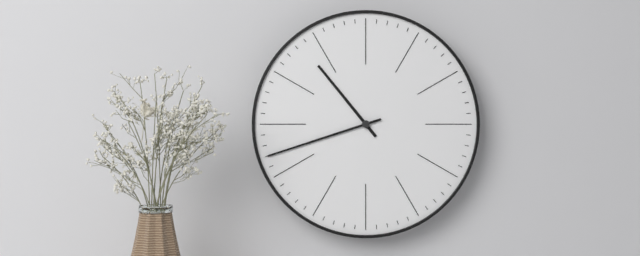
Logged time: 10 h 42 min
